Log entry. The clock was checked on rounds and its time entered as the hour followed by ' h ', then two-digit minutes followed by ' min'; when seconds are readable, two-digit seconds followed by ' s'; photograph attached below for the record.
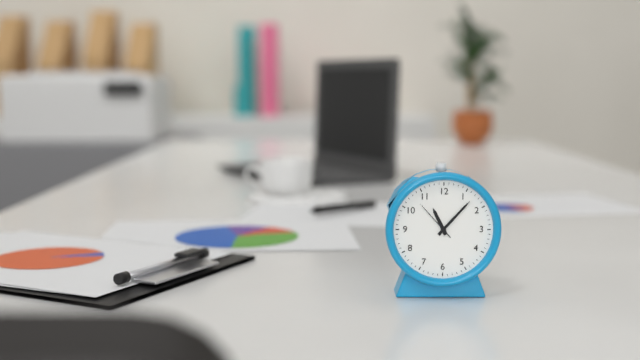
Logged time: 11 h 07 min
